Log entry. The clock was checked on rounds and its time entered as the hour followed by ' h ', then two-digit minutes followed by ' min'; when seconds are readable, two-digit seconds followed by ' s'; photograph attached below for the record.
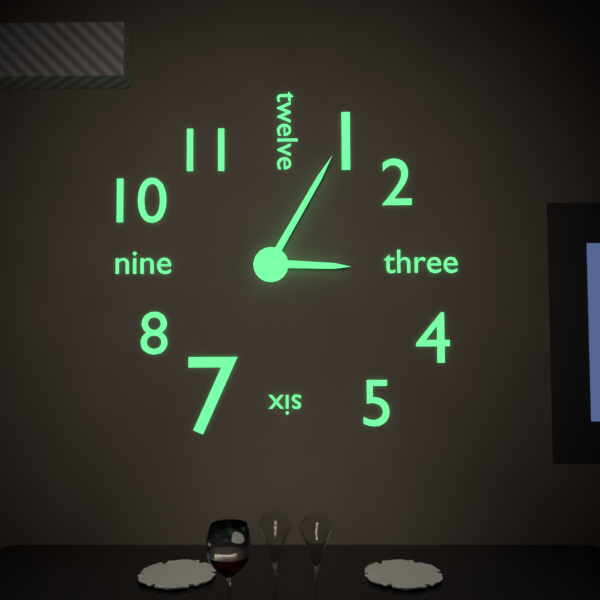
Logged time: 3 h 05 min
